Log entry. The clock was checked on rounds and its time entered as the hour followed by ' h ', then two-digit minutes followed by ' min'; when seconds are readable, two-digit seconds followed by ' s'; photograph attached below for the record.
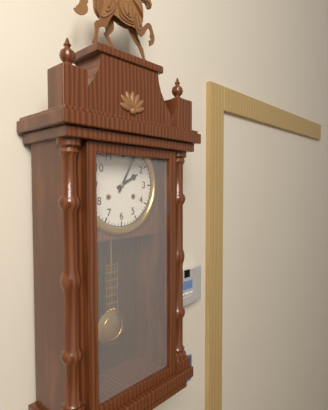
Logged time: 2 h 05 min
